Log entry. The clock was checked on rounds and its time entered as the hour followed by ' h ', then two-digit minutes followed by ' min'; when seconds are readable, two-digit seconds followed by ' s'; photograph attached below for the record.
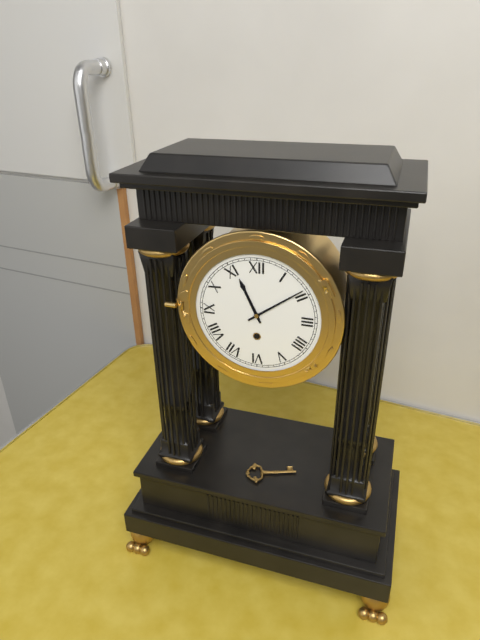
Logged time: 11 h 09 min
